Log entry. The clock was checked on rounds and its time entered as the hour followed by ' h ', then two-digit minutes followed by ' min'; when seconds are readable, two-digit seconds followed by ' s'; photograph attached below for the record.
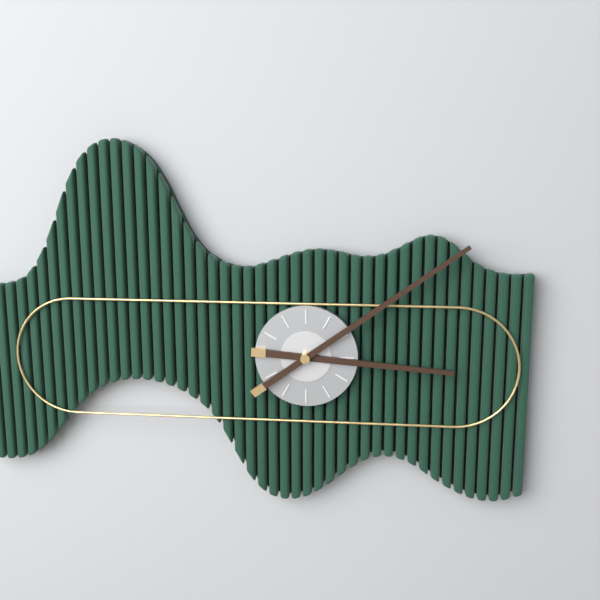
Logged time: 3 h 09 min
